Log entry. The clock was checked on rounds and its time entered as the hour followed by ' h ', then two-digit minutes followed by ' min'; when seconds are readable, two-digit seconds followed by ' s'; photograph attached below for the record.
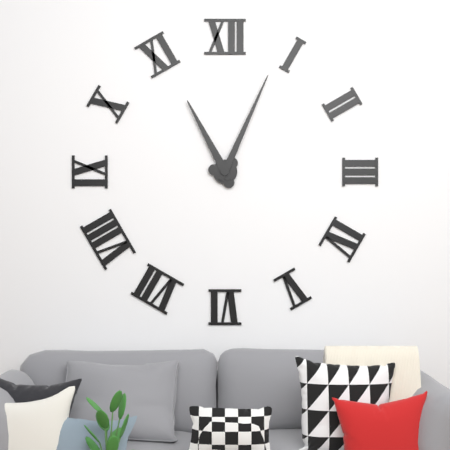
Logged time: 11 h 04 min
